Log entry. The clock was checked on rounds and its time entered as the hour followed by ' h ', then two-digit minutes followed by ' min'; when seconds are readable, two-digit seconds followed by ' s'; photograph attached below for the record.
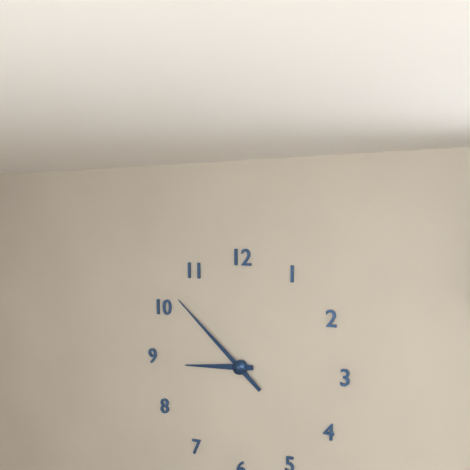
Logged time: 8 h 52 min
